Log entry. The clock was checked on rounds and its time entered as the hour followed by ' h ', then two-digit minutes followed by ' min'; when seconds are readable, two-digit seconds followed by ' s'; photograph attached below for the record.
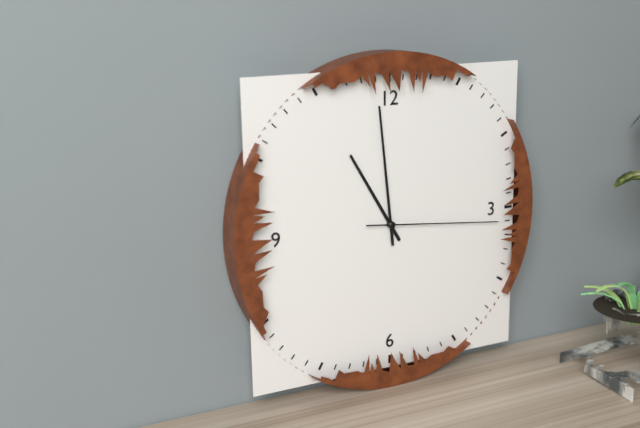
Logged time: 10 h 59 min 16 s
